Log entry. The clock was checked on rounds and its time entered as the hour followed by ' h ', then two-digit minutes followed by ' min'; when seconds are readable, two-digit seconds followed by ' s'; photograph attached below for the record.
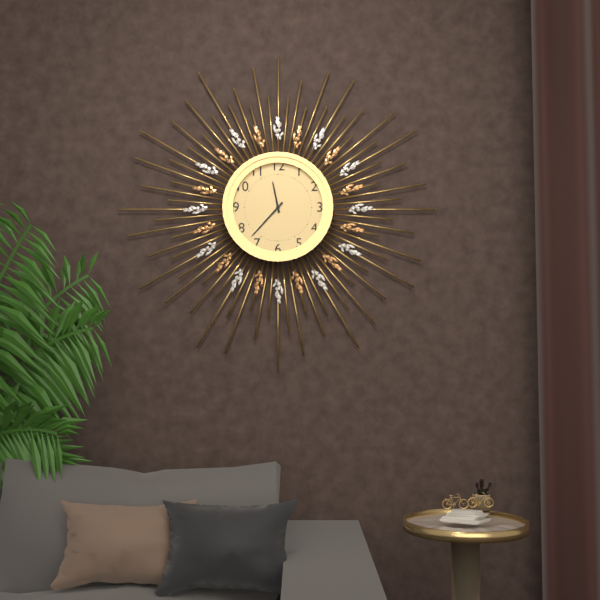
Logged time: 11 h 37 min
